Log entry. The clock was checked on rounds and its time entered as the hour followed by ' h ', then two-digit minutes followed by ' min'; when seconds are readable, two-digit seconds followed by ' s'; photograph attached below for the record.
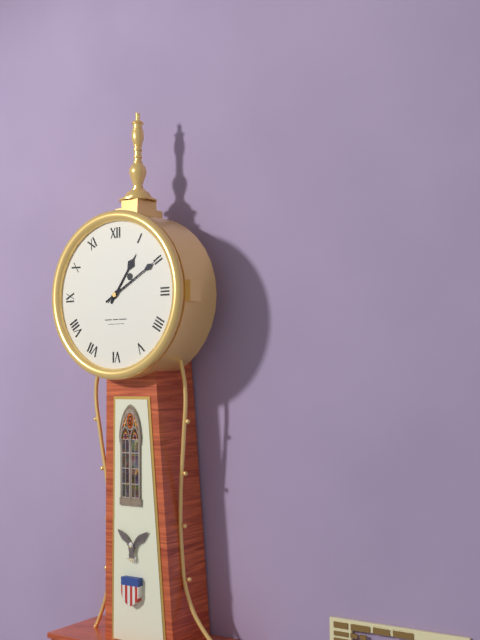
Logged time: 1 h 10 min
